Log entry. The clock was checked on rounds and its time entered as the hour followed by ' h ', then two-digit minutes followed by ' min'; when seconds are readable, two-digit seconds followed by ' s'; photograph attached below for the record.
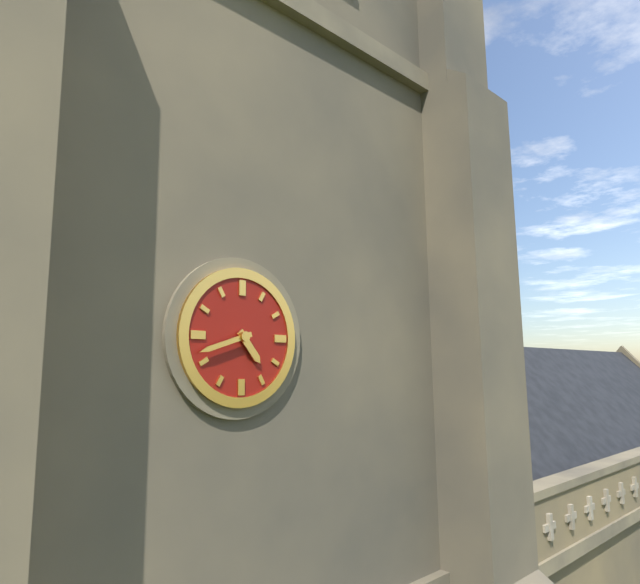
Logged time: 4 h 42 min
